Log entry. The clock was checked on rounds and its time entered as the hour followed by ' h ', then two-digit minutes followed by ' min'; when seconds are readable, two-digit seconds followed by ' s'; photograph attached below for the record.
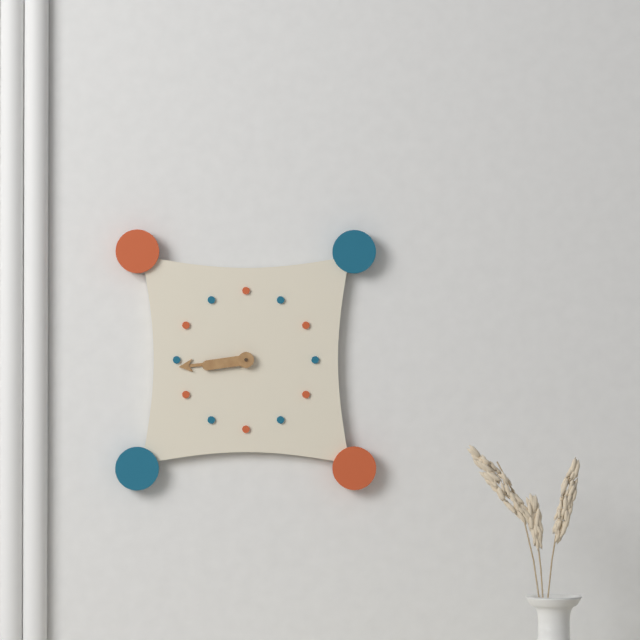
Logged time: 8 h 44 min
